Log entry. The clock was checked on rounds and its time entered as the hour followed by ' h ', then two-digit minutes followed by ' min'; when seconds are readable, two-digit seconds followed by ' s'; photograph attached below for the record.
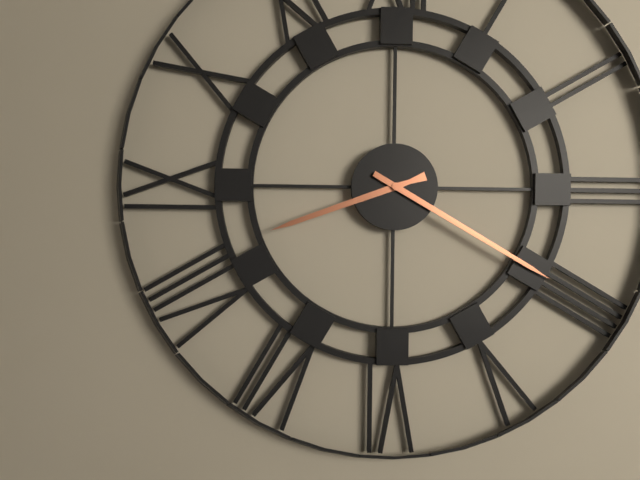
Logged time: 8 h 20 min
